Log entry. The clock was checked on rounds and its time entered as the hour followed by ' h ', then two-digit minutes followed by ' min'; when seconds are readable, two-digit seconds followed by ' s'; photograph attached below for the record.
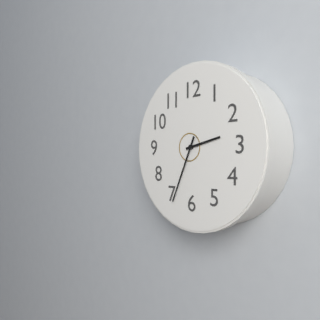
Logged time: 2 h 34 min
